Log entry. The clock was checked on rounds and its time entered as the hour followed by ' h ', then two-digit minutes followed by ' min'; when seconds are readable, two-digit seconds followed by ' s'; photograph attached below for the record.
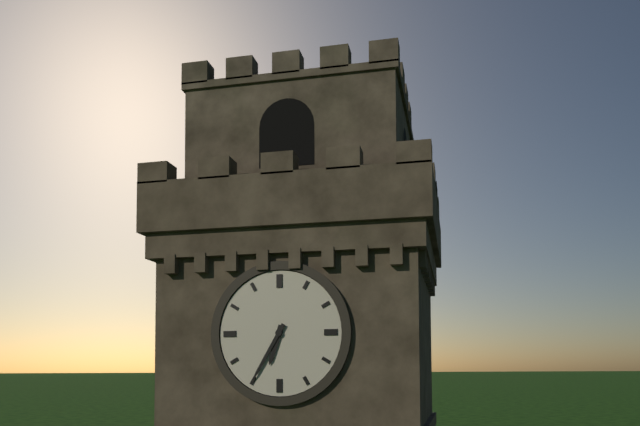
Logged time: 6 h 35 min
